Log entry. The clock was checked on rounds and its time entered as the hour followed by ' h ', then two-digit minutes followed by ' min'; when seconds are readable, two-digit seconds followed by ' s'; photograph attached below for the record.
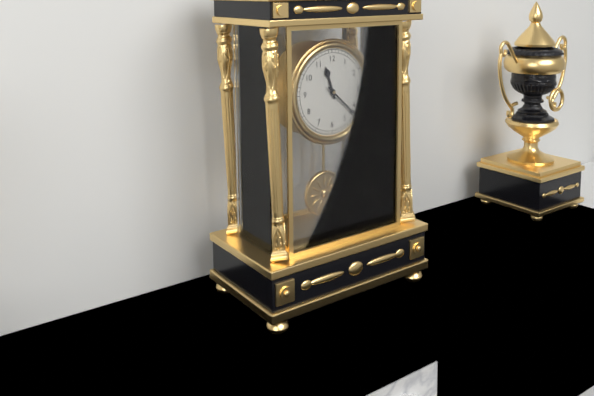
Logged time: 11 h 22 min
